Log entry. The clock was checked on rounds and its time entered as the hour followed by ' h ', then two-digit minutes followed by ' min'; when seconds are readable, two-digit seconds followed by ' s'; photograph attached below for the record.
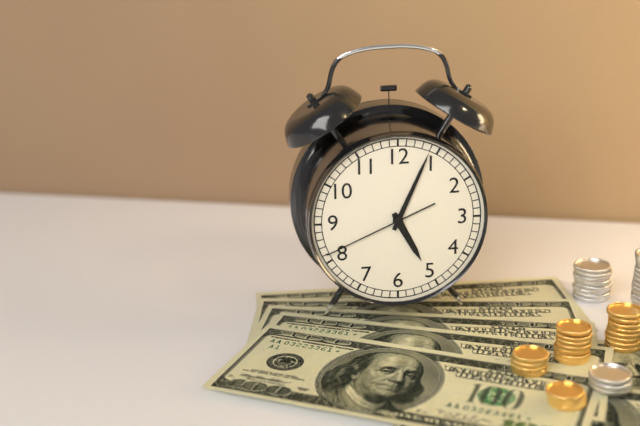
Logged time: 5 h 04 min 41 s
